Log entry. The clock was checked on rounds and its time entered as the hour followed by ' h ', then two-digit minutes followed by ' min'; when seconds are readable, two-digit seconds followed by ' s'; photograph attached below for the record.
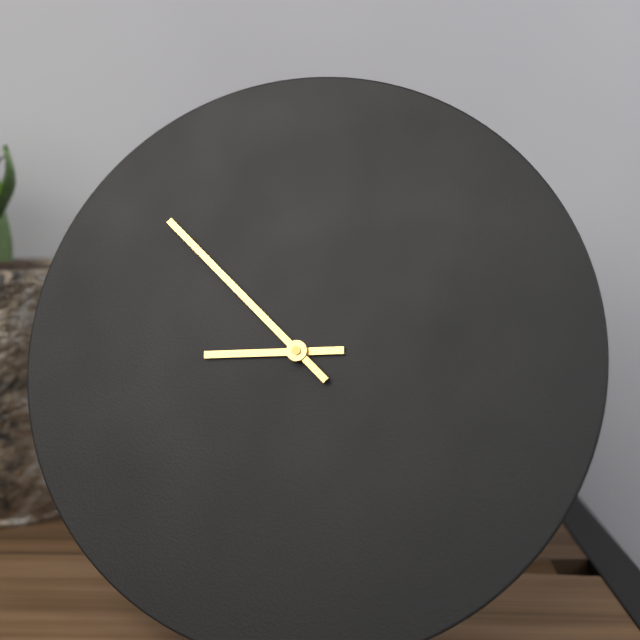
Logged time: 8 h 52 min
